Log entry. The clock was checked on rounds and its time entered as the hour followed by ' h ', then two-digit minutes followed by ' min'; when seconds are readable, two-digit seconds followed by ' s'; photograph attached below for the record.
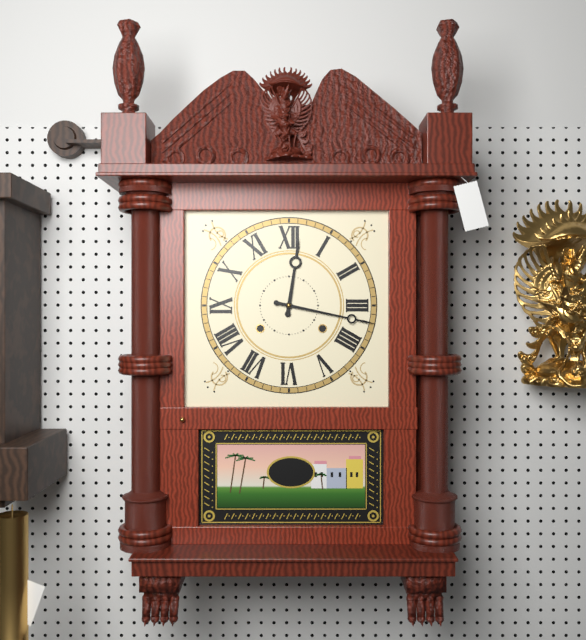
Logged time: 12 h 17 min
